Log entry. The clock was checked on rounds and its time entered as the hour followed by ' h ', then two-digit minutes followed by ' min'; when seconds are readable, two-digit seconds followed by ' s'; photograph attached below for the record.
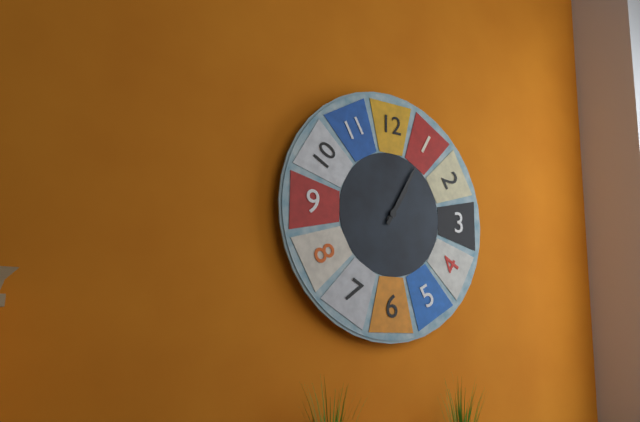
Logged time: 1 h 05 min
